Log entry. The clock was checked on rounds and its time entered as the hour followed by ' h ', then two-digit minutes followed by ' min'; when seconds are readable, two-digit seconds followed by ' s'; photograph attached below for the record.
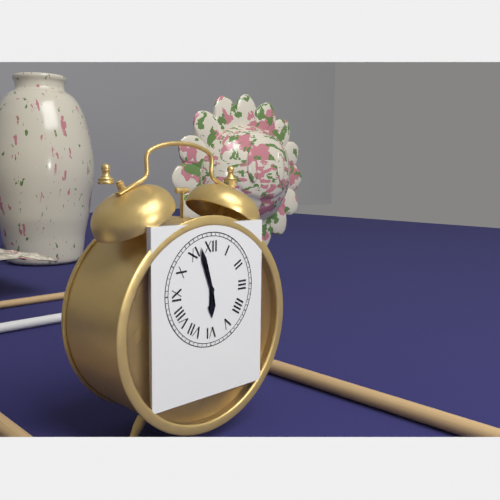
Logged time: 5 h 57 min
